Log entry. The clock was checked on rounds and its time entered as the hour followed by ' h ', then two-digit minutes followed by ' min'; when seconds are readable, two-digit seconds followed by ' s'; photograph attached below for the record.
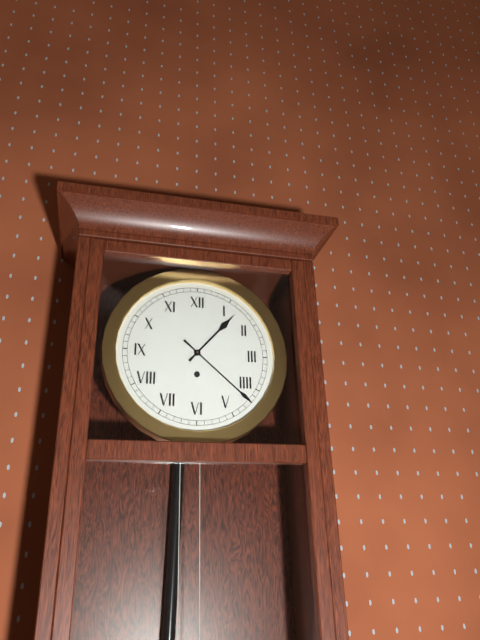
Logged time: 1 h 22 min
